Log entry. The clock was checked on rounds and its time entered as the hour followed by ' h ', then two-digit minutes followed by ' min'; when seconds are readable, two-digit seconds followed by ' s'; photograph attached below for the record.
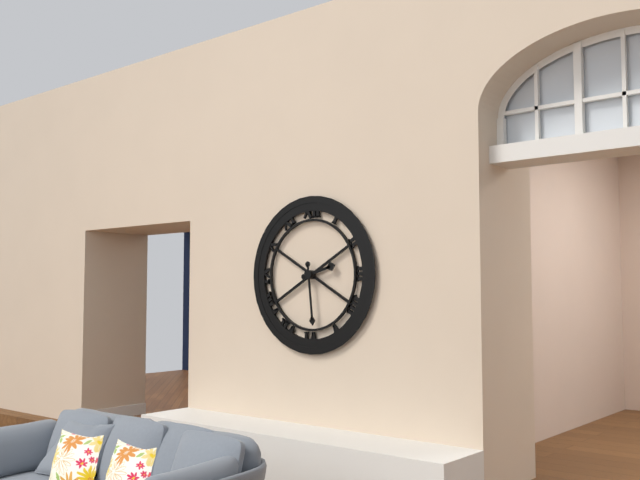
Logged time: 2 h 29 min
